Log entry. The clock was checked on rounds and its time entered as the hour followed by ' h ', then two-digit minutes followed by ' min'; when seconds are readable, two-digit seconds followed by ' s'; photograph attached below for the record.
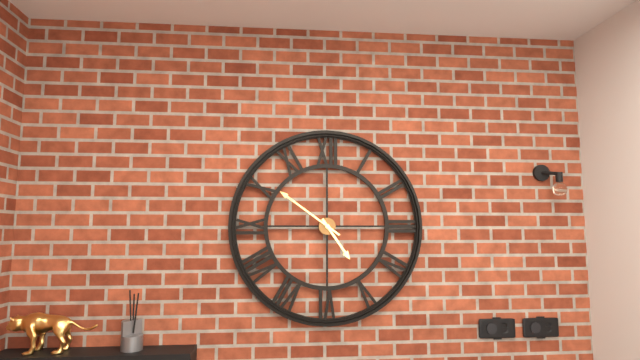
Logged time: 4 h 51 min
